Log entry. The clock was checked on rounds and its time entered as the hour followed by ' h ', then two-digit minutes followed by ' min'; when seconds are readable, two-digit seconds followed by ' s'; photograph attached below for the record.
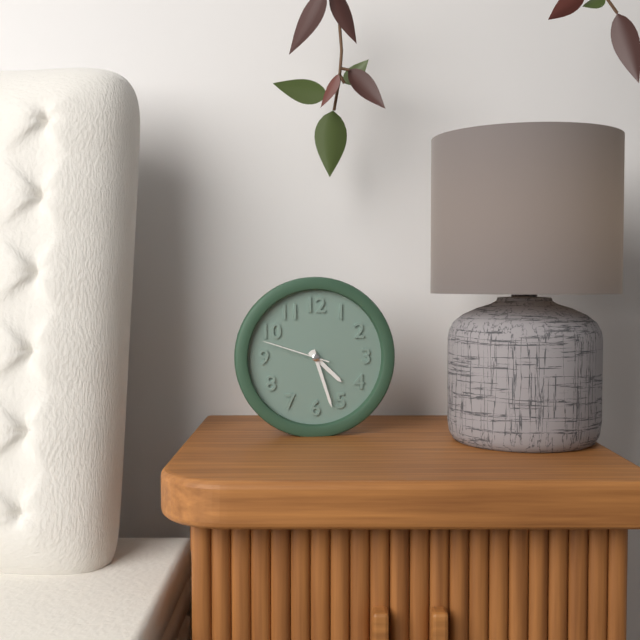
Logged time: 4 h 27 min 48 s
